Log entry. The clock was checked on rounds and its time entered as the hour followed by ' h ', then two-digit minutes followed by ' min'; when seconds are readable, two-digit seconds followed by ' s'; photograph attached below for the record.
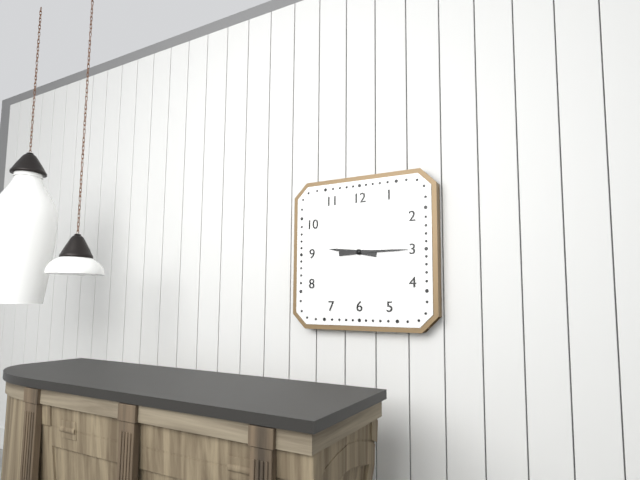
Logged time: 9 h 15 min
